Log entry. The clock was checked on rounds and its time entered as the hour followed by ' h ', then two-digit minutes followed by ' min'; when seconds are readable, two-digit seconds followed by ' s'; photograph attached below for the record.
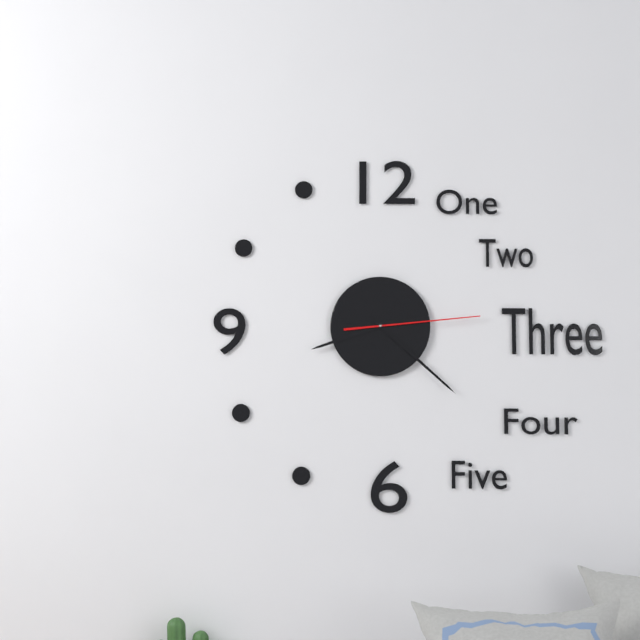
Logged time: 8 h 22 min 14 s
